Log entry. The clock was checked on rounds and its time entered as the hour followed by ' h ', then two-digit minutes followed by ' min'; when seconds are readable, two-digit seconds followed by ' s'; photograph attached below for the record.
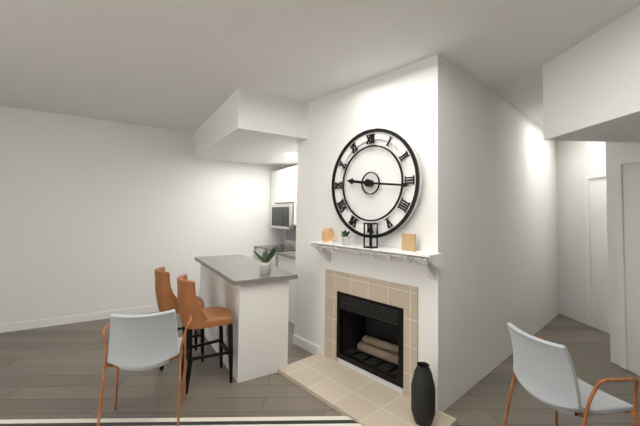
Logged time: 9 h 16 min
